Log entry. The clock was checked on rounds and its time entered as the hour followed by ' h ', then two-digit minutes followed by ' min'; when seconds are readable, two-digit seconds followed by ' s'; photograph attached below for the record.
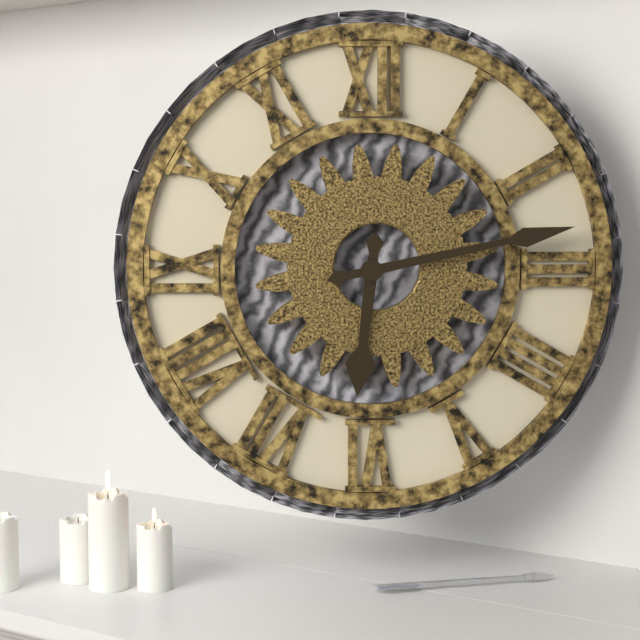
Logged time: 6 h 13 min
